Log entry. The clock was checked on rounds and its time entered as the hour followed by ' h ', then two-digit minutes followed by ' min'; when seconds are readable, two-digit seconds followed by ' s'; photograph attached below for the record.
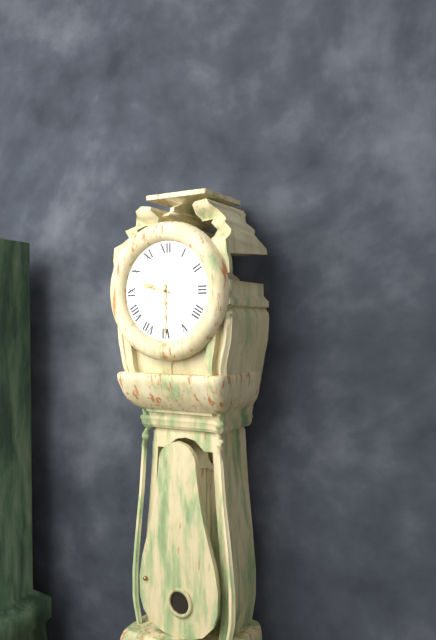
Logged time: 9 h 30 min
